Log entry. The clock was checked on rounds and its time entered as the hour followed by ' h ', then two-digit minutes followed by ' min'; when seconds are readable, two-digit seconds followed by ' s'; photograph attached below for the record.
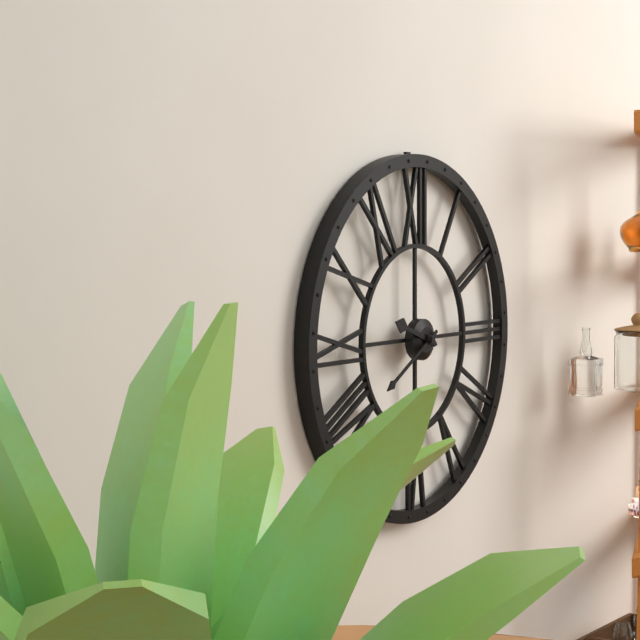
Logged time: 9 h 40 min
